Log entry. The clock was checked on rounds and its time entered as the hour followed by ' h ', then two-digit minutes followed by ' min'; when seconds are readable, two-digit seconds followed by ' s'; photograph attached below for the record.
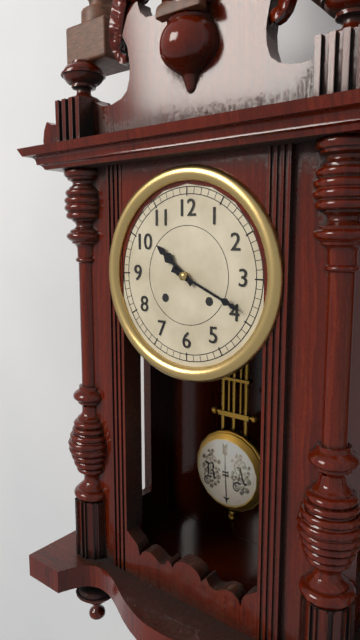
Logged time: 10 h 19 min
